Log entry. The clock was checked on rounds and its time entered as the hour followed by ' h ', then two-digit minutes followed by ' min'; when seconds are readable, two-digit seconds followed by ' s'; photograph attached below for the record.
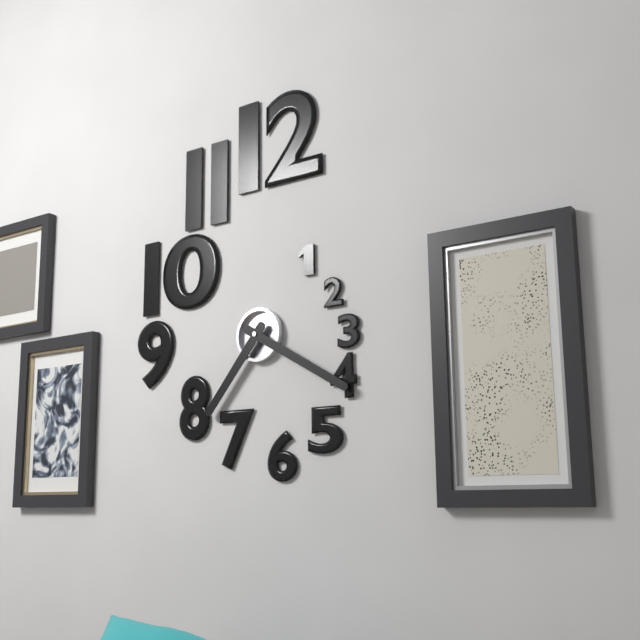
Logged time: 7 h 20 min
